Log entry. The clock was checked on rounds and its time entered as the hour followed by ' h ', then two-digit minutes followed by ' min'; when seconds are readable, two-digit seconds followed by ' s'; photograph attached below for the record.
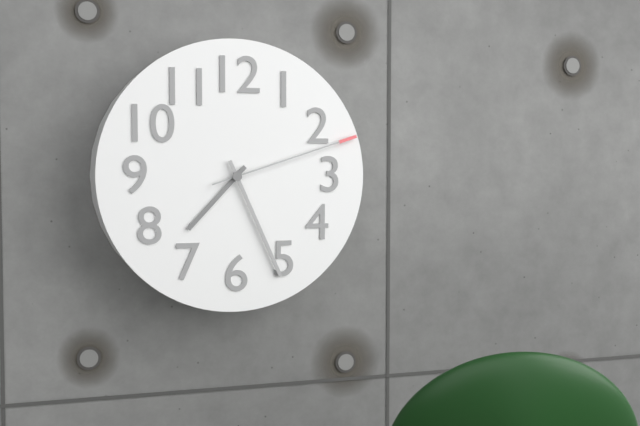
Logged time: 7 h 26 min 12 s
